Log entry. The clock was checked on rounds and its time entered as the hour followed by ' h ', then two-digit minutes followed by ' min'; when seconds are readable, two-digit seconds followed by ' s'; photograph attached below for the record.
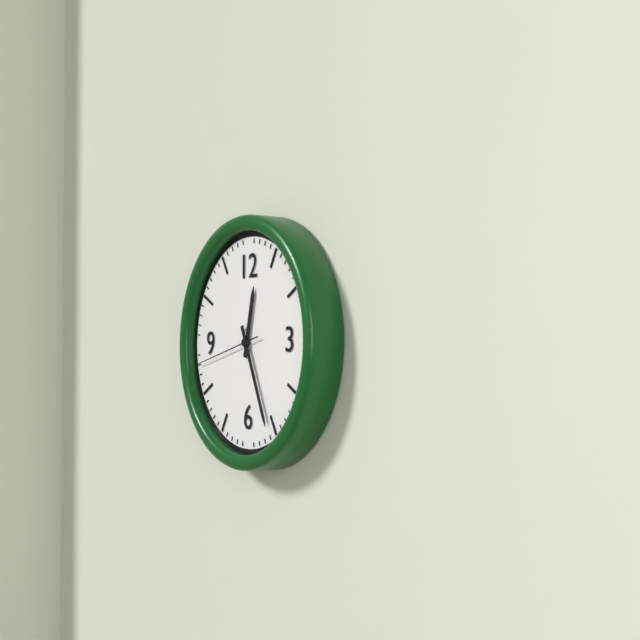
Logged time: 12 h 26 min 43 s
